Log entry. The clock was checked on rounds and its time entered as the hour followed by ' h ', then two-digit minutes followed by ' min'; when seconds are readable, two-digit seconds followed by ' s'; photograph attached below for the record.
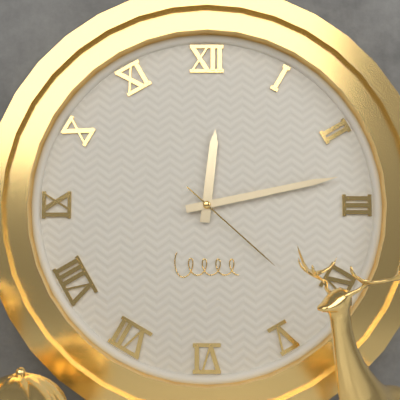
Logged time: 12 h 13 min 22 s
